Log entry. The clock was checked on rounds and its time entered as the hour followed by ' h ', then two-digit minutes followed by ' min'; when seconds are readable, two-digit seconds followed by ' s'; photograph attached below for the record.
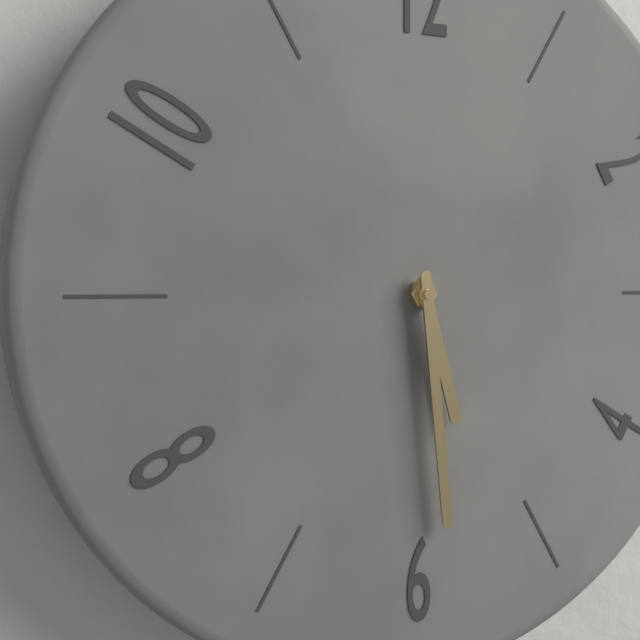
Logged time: 5 h 29 min
